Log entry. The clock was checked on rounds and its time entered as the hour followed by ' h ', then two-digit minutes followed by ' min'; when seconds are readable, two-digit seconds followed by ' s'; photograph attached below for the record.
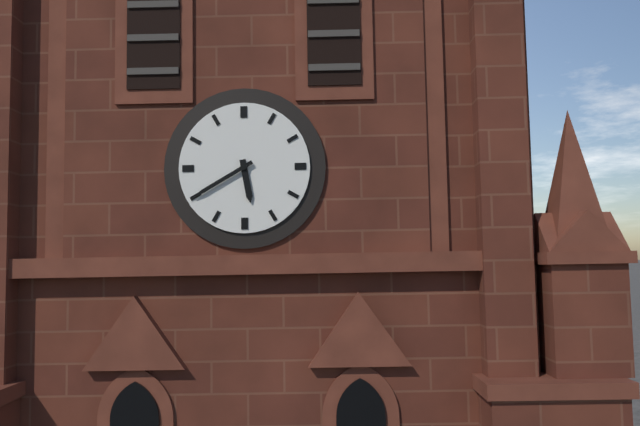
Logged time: 5 h 40 min
